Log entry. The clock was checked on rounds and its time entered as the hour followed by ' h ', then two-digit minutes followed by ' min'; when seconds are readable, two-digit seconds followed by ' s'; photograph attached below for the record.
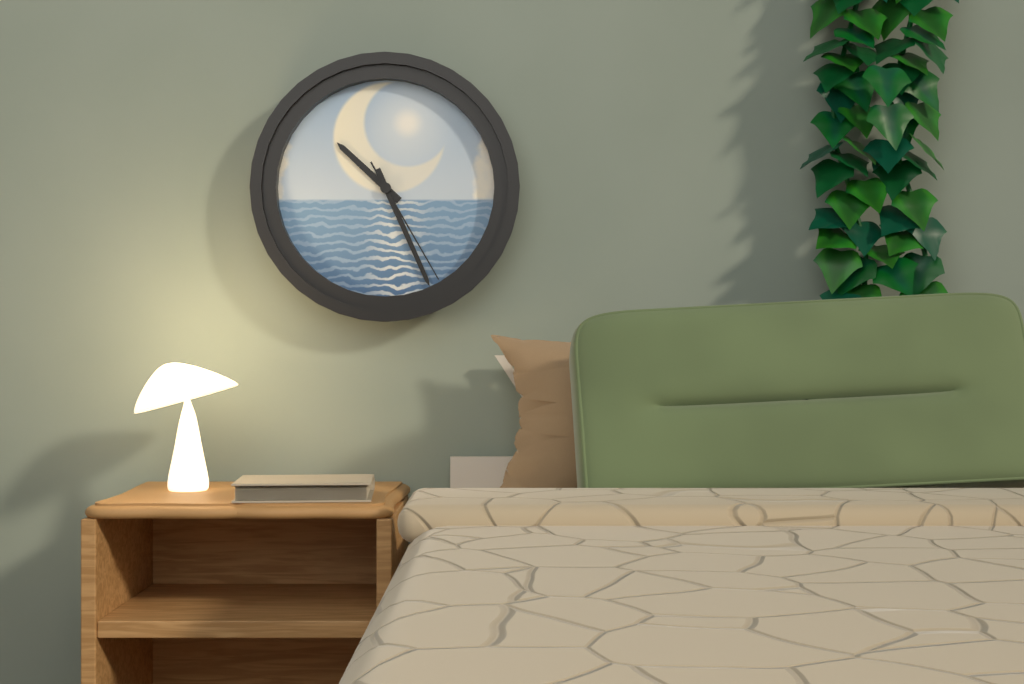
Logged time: 10 h 26 min 25 s
